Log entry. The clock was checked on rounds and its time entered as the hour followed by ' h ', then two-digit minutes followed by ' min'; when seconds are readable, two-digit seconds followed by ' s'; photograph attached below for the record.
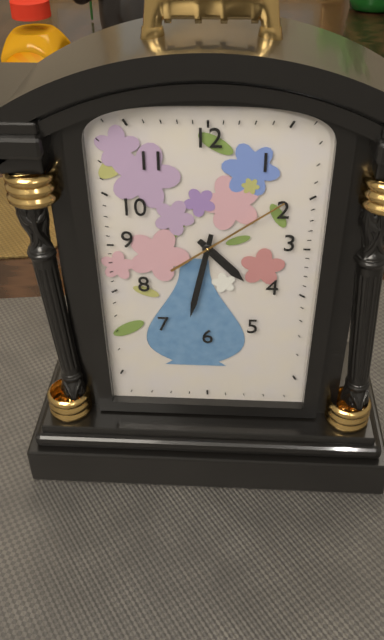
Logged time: 4 h 32 min 09 s
